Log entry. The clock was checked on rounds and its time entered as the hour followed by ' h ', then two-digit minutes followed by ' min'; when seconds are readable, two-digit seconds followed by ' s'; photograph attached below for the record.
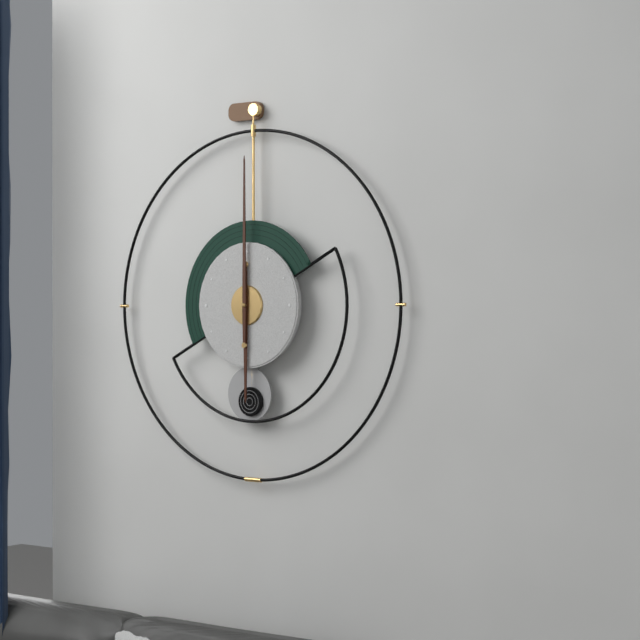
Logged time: 6 h 00 min
